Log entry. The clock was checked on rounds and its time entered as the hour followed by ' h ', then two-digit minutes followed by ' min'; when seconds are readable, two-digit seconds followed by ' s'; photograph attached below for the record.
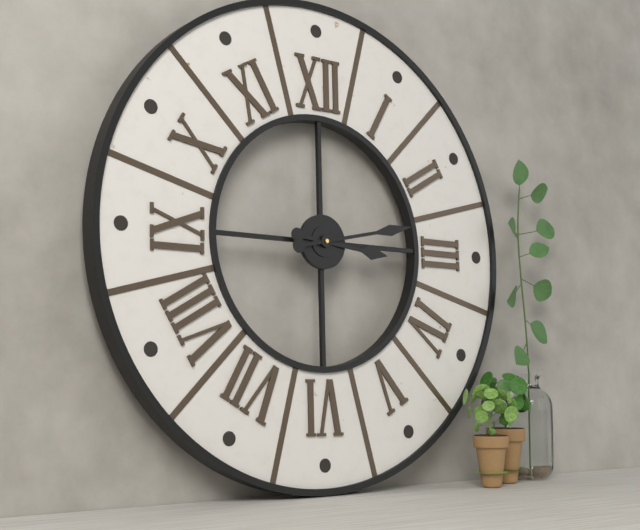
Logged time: 3 h 13 min
